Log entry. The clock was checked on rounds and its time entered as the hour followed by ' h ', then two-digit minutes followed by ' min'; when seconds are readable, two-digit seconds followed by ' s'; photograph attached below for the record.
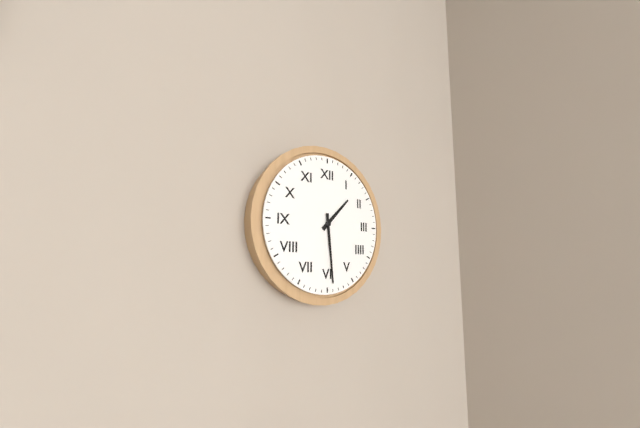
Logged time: 1 h 29 min
